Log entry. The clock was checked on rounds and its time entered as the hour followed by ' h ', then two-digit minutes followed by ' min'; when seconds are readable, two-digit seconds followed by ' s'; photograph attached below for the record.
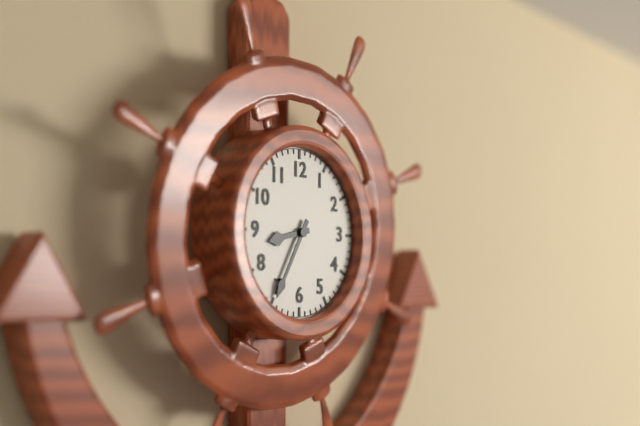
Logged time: 8 h 35 min
